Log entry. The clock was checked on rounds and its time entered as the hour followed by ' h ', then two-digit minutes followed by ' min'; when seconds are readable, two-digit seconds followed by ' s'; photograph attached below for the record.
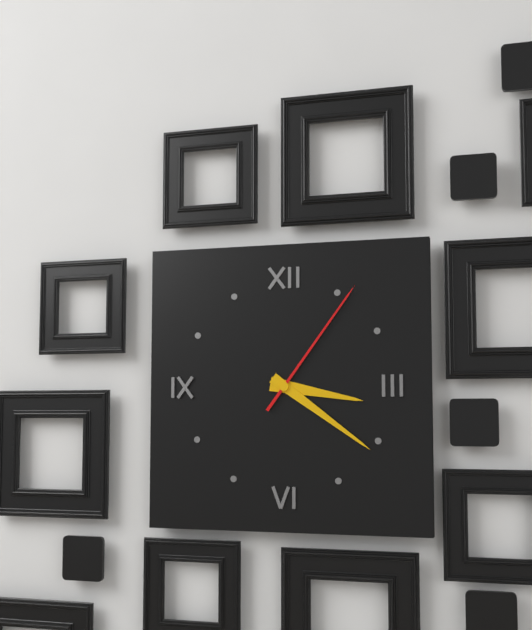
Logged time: 3 h 21 min 06 s
